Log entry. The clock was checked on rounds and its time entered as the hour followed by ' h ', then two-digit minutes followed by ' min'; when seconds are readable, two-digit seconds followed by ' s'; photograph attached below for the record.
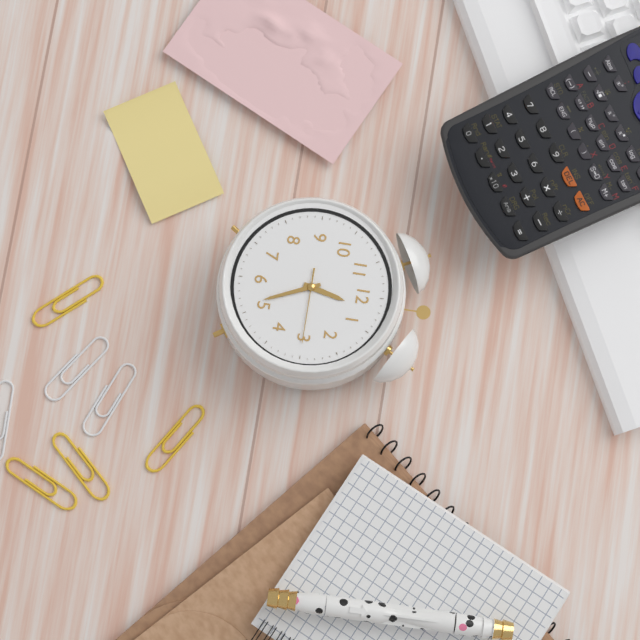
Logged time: 12 h 26 min 15 s
